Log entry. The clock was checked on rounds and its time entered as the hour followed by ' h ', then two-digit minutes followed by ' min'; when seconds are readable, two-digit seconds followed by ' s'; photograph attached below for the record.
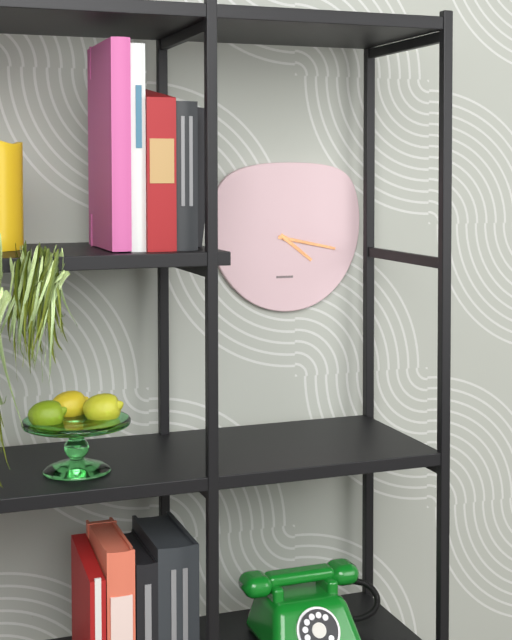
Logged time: 4 h 17 min
